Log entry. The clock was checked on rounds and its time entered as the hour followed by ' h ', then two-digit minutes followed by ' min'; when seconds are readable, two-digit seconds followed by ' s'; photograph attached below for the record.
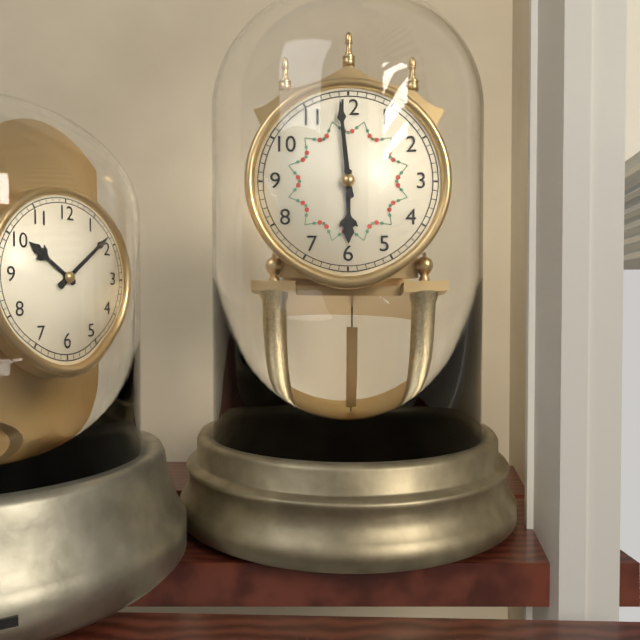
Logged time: 5 h 59 min
